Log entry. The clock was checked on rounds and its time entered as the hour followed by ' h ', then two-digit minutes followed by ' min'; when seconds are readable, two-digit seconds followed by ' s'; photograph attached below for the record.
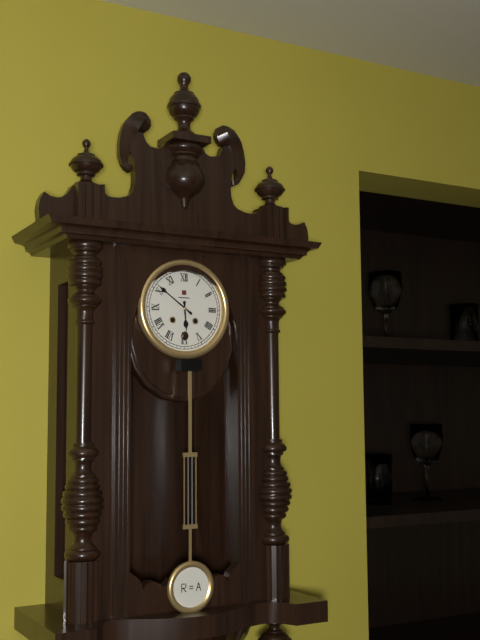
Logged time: 5 h 51 min
